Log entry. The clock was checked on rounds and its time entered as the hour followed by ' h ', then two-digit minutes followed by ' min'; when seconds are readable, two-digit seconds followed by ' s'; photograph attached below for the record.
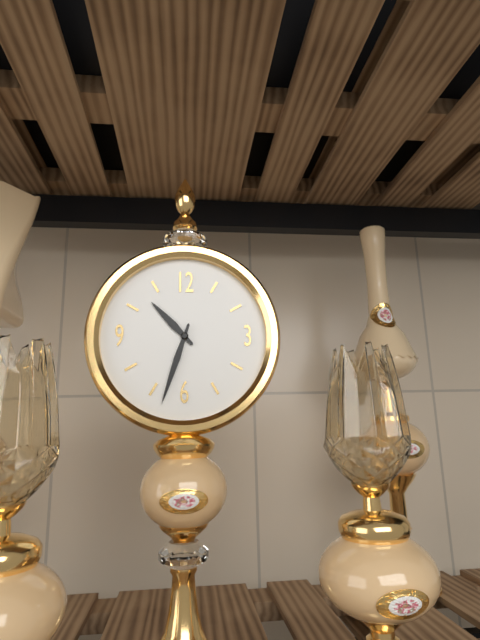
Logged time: 10 h 33 min
